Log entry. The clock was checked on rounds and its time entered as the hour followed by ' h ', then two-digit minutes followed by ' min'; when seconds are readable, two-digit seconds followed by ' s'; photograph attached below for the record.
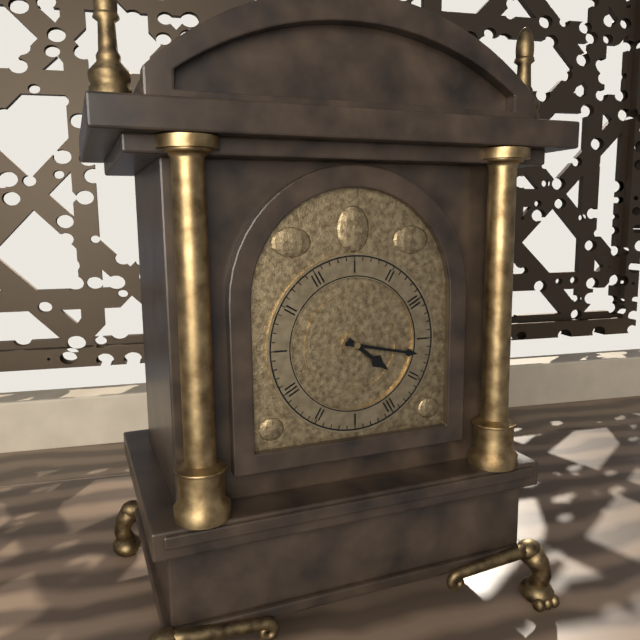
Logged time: 4 h 17 min
